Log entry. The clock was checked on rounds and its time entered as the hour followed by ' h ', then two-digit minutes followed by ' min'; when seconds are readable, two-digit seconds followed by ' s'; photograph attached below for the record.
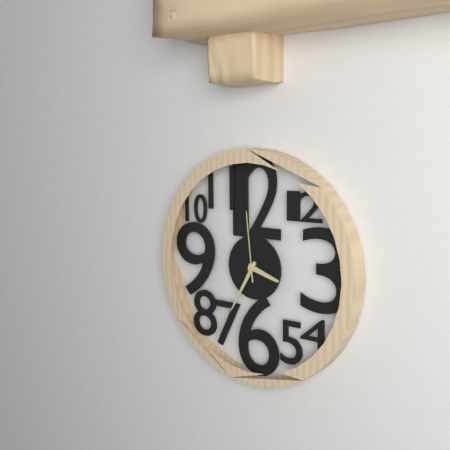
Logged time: 3 h 35 min 59 s
